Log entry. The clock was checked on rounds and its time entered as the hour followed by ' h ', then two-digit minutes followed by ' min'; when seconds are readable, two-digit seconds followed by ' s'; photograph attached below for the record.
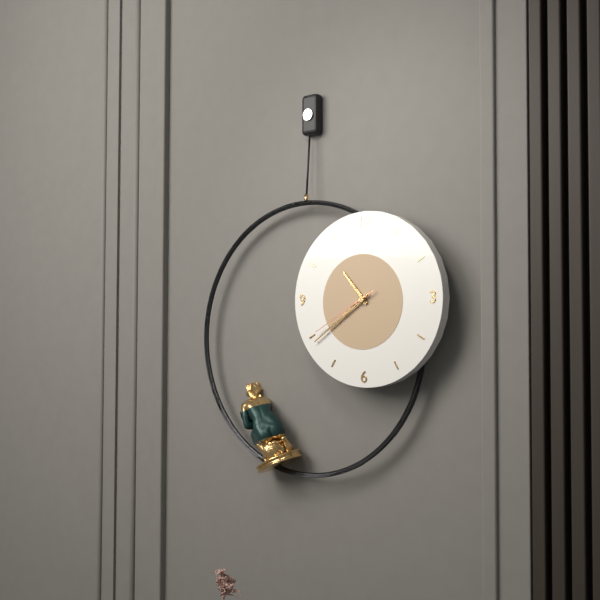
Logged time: 10 h 39 min 40 s
